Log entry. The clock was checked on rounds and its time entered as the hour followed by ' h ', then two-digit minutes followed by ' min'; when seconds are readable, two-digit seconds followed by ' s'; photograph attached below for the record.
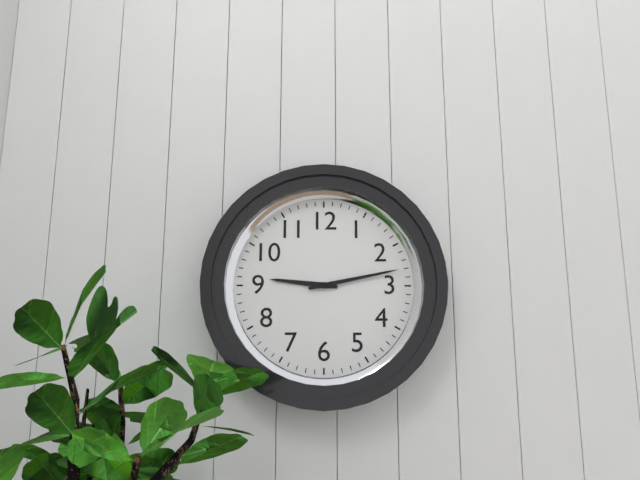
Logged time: 9 h 13 min
